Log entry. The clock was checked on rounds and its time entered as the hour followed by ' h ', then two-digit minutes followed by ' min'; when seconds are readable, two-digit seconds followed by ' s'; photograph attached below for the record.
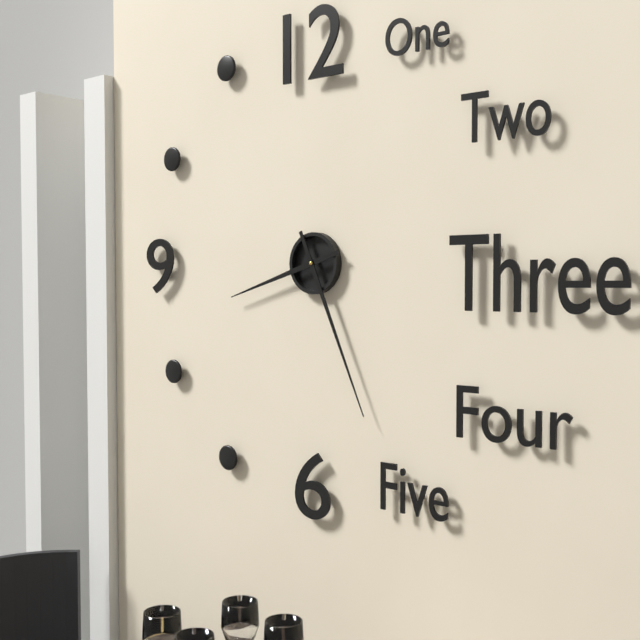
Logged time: 8 h 26 min
